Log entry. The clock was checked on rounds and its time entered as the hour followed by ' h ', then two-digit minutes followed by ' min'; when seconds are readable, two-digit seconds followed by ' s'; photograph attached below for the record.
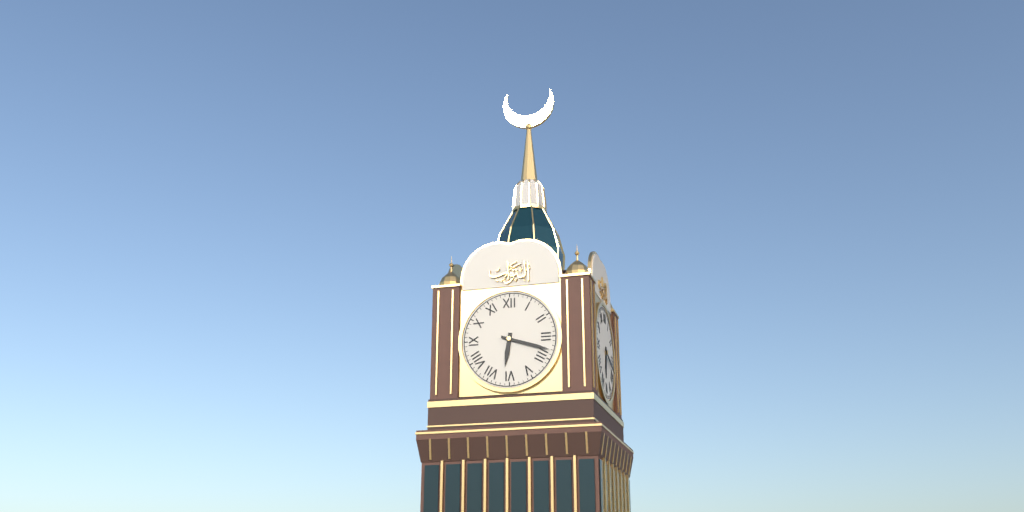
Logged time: 6 h 18 min
